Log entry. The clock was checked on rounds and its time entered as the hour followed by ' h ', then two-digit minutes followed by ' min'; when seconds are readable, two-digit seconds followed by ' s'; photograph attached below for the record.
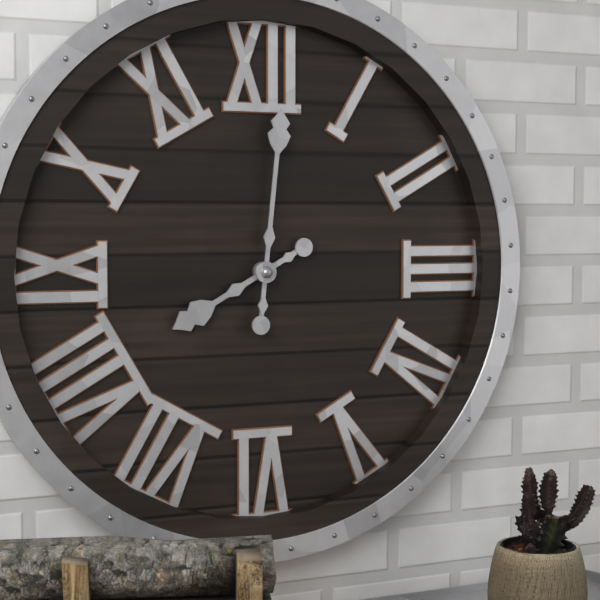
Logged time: 8 h 01 min
